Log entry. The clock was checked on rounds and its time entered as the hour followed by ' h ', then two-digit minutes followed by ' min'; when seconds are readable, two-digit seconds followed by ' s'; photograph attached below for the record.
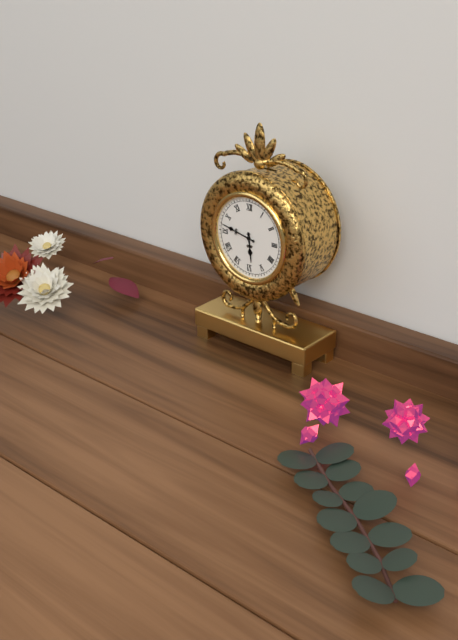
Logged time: 5 h 47 min
